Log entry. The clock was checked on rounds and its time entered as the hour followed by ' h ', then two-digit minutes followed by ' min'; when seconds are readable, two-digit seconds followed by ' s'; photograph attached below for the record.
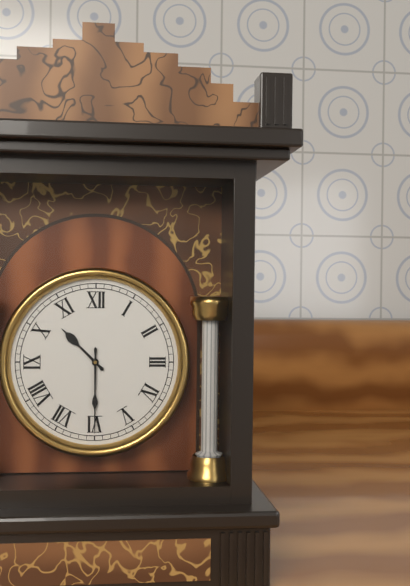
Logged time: 10 h 30 min
